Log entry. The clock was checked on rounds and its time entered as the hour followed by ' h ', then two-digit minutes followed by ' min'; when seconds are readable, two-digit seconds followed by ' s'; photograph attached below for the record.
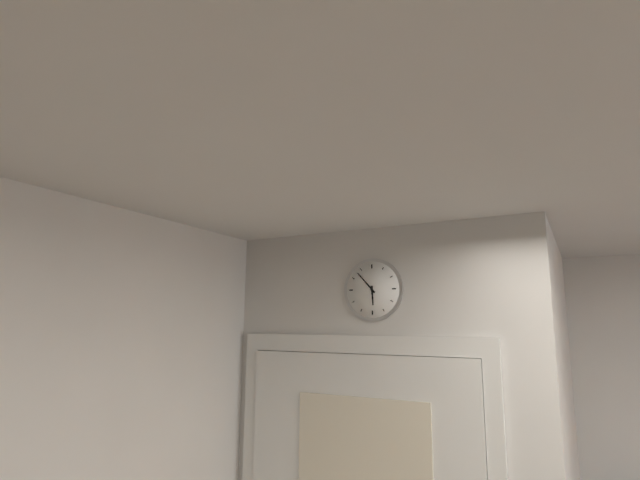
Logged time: 5 h 53 min
